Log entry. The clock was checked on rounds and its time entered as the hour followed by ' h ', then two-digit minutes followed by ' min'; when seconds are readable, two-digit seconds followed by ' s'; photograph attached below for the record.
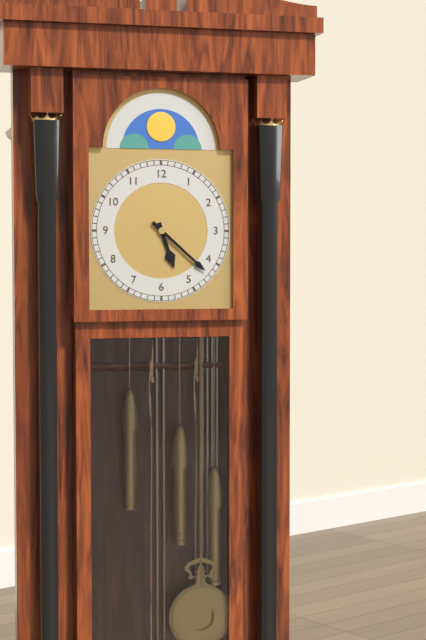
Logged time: 5 h 22 min
